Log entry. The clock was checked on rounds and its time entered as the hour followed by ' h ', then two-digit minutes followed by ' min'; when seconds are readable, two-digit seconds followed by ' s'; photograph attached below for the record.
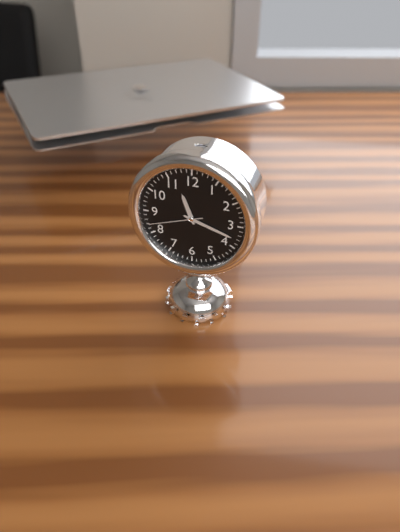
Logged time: 11 h 18 min 42 s
